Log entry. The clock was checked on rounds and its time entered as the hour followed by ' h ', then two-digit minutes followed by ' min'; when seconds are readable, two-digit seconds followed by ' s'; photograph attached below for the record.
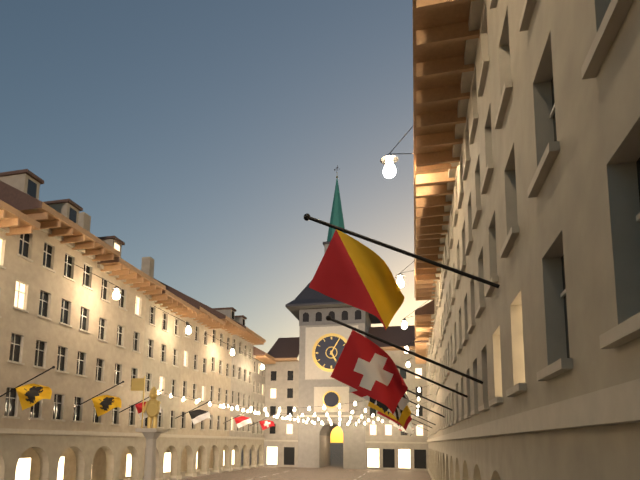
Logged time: 5 h 05 min
